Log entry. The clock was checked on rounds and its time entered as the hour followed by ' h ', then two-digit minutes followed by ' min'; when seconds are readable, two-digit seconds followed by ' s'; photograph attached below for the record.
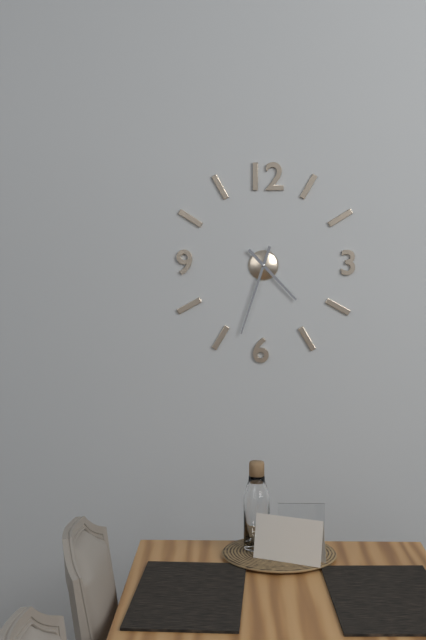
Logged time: 4 h 33 min
